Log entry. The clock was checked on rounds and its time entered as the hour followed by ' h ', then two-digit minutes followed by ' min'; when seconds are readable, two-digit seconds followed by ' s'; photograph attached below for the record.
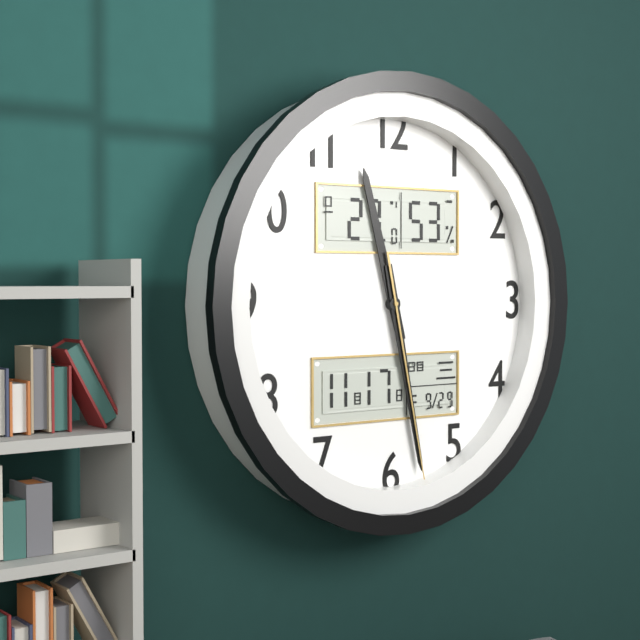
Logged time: 11 h 28 min 28 s
